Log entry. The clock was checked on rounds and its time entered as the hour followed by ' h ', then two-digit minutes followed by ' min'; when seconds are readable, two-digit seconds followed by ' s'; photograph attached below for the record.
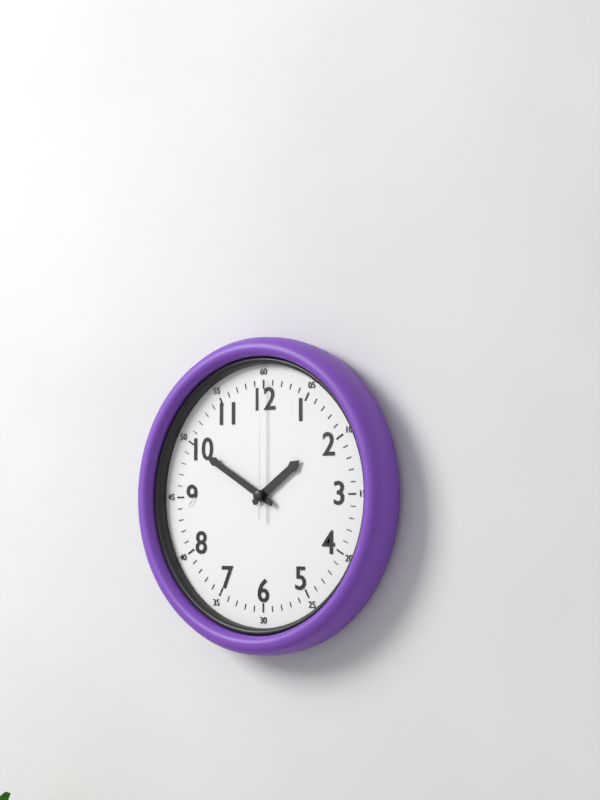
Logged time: 1 h 50 min 00 s
